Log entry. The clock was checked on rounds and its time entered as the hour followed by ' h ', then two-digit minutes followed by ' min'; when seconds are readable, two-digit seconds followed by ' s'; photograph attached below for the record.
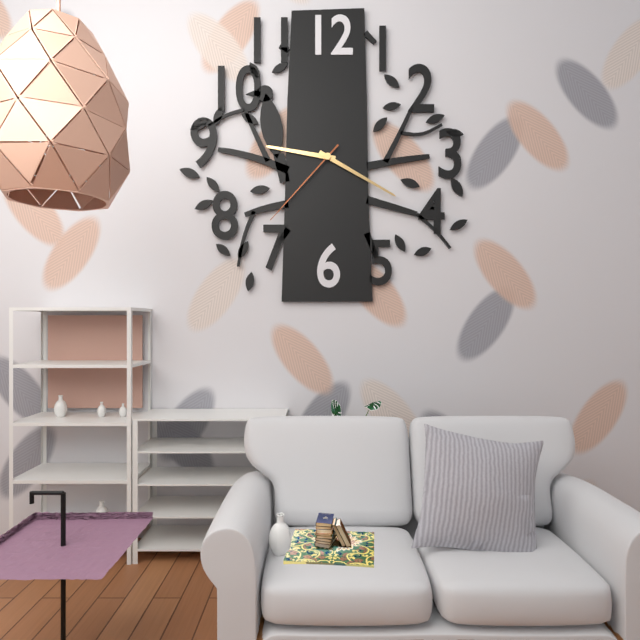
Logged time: 9 h 20 min 37 s
